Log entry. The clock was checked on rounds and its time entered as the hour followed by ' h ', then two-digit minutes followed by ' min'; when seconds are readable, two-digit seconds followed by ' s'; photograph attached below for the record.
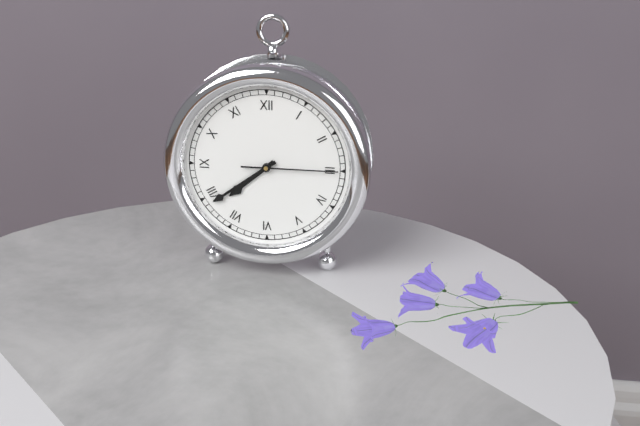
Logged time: 7 h 39 min 15 s
